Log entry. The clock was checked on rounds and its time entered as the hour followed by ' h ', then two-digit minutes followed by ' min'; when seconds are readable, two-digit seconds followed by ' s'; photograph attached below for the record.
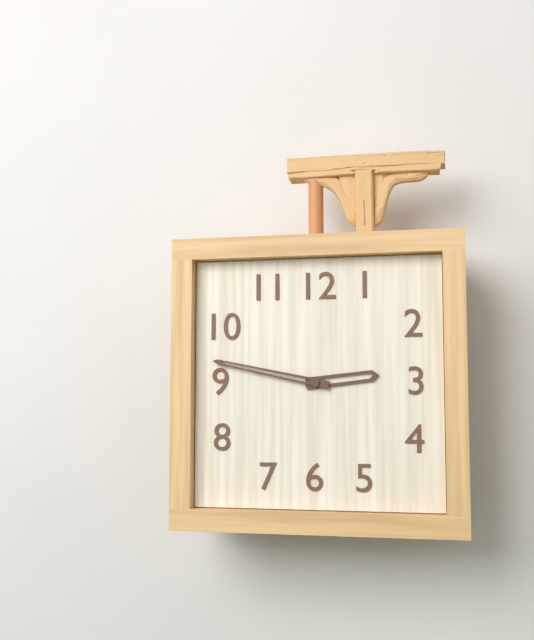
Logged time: 2 h 47 min
